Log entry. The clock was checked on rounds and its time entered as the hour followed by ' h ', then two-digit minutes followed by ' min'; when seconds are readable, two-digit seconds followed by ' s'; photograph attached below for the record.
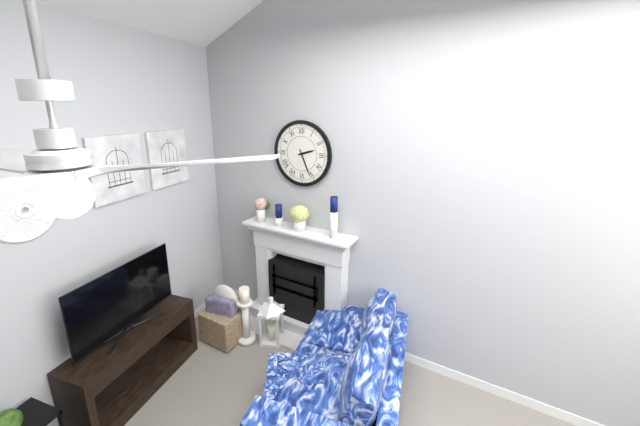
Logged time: 2 h 26 min
